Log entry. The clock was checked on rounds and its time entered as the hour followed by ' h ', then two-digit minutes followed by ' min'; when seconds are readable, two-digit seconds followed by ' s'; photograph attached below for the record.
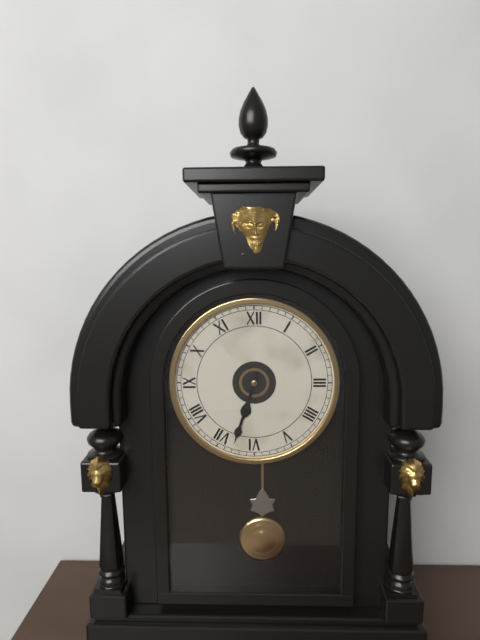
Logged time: 6 h 33 min
